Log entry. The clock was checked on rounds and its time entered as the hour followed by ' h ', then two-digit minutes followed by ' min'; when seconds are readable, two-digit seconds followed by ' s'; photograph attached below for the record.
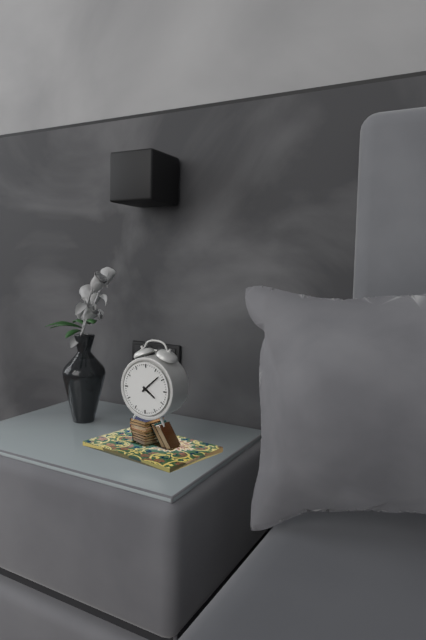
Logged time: 4 h 08 min
